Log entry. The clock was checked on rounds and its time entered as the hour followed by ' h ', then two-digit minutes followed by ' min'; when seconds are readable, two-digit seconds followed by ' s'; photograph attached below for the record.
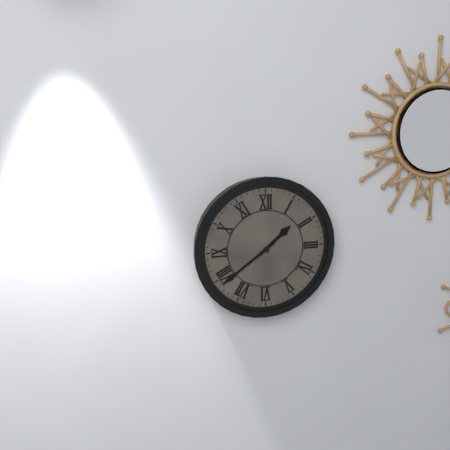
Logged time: 1 h 39 min
